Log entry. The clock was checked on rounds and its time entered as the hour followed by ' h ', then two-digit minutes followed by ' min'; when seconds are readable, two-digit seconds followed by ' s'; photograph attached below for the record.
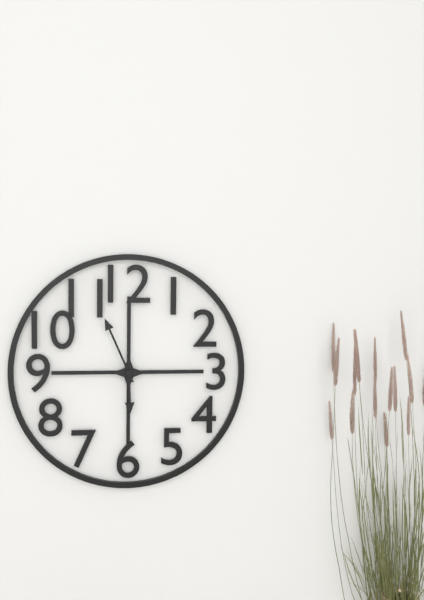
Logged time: 5 h 56 min
